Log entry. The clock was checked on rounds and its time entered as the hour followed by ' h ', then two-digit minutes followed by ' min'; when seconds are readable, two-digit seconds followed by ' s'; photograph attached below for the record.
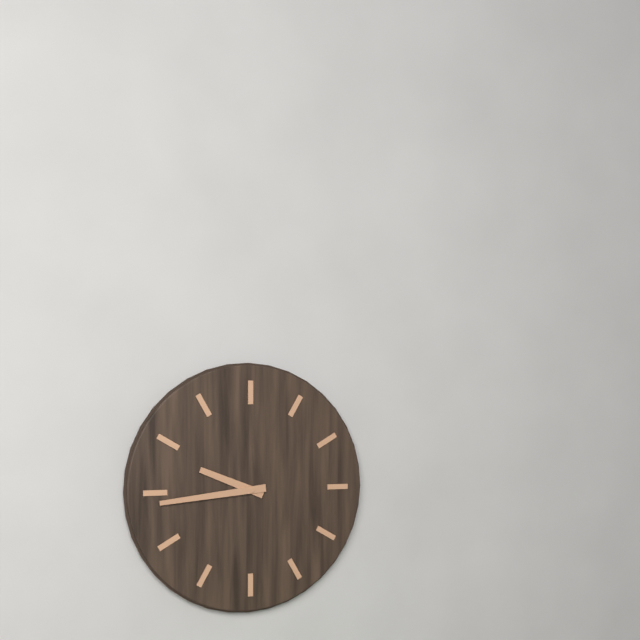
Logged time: 9 h 44 min
